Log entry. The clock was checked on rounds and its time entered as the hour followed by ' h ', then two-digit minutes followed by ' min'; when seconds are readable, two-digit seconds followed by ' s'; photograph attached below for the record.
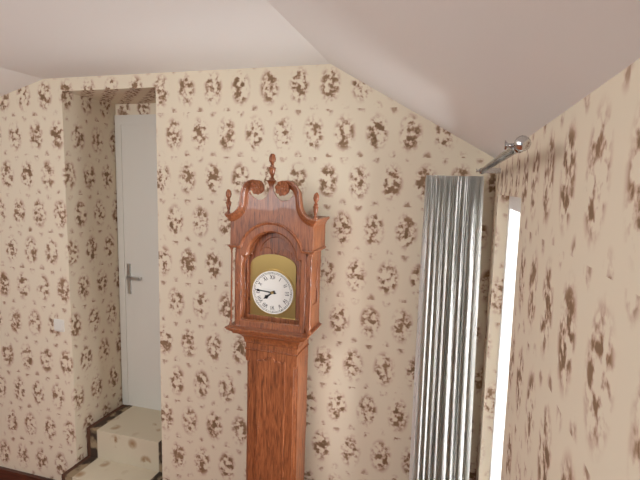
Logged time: 7 h 46 min
